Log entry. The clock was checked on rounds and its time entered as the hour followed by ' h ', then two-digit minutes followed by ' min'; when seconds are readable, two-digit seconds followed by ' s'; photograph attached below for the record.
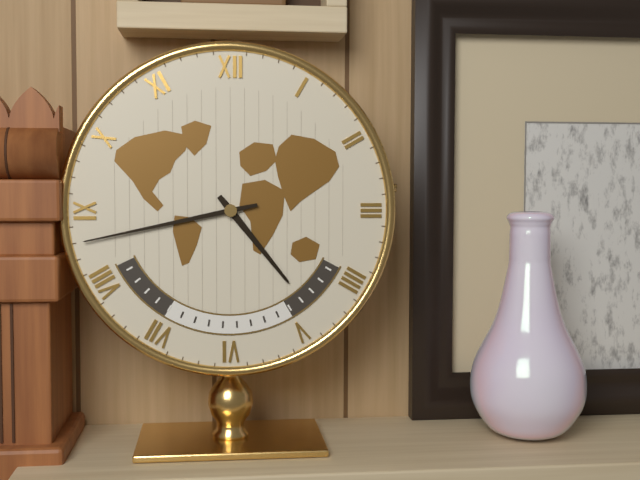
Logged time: 4 h 43 min
